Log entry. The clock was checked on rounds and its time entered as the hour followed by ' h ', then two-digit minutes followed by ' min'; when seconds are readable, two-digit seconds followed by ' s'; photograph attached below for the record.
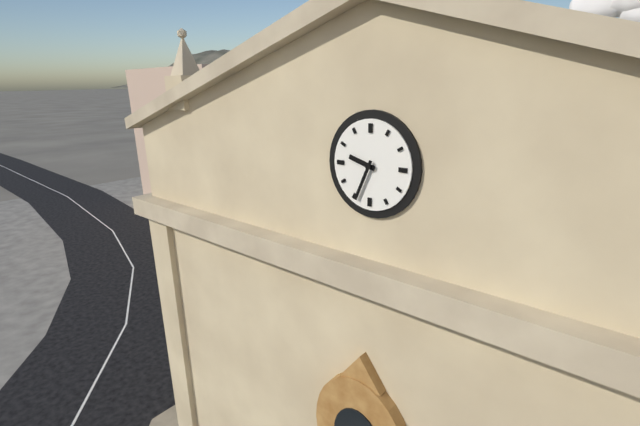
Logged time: 9 h 34 min
